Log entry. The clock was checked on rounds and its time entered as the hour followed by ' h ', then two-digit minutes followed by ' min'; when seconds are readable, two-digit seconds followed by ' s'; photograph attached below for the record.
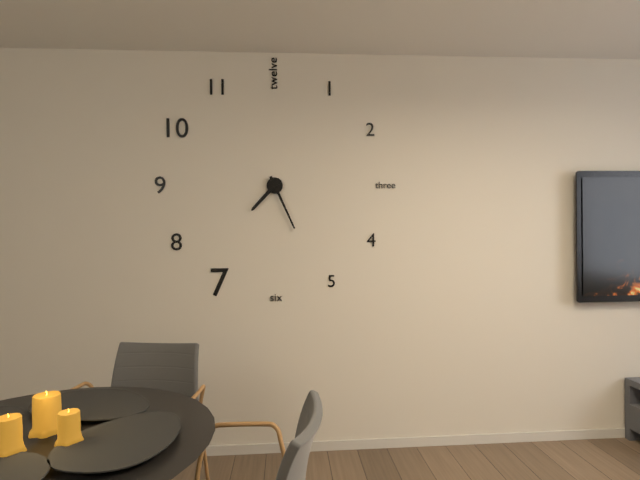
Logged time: 7 h 26 min
